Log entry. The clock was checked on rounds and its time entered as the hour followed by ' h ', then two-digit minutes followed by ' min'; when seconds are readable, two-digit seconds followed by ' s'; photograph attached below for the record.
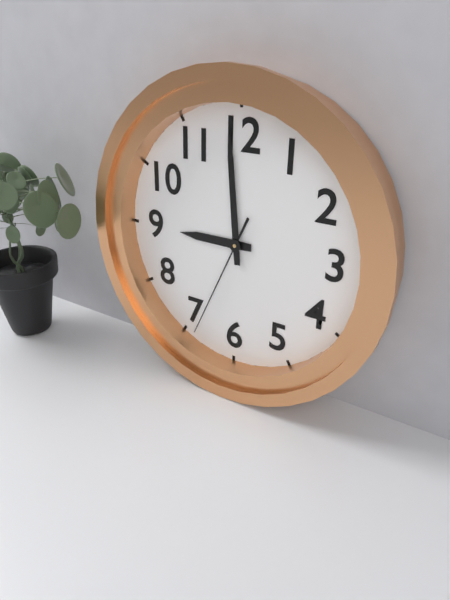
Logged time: 8 h 59 min 34 s
